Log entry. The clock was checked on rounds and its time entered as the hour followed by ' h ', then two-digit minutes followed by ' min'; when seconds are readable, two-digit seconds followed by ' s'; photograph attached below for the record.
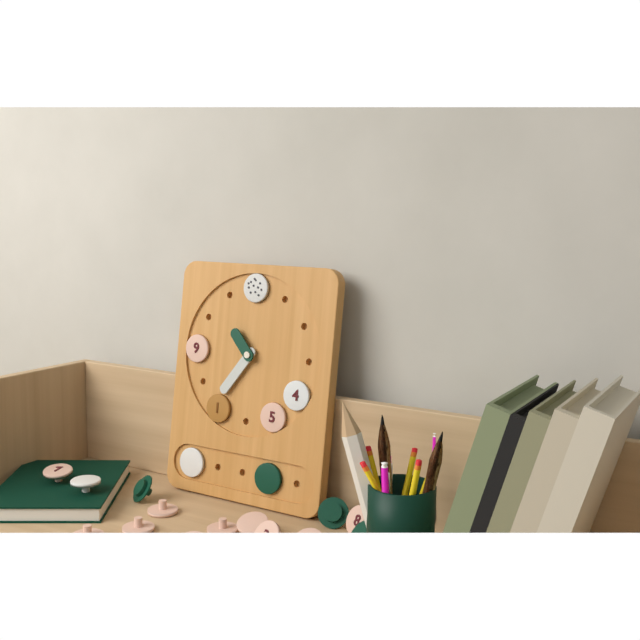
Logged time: 10 h 36 min
